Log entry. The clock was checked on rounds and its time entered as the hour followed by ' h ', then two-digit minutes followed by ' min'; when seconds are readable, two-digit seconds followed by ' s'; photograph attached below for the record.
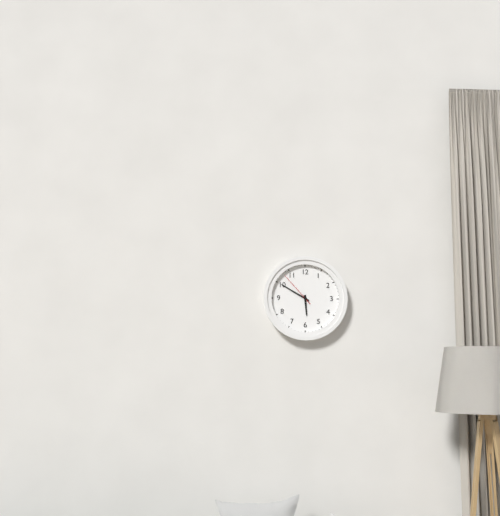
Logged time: 5 h 50 min
